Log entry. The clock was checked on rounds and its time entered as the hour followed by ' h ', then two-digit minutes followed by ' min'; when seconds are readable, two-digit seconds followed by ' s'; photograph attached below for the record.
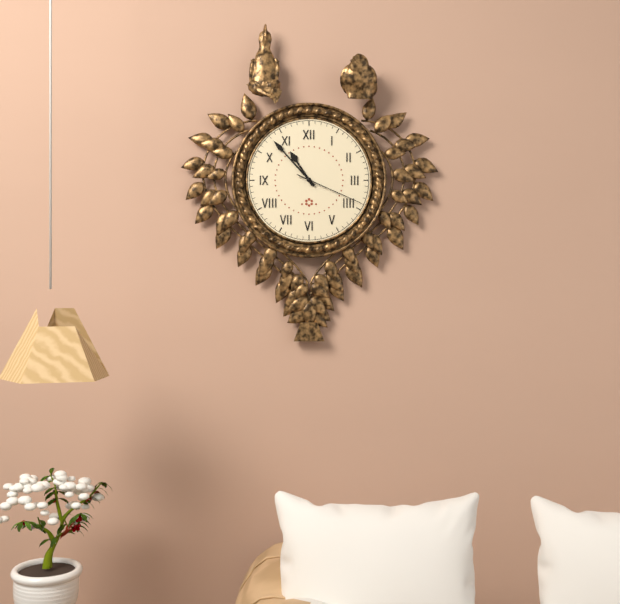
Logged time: 10 h 53 min 19 s
